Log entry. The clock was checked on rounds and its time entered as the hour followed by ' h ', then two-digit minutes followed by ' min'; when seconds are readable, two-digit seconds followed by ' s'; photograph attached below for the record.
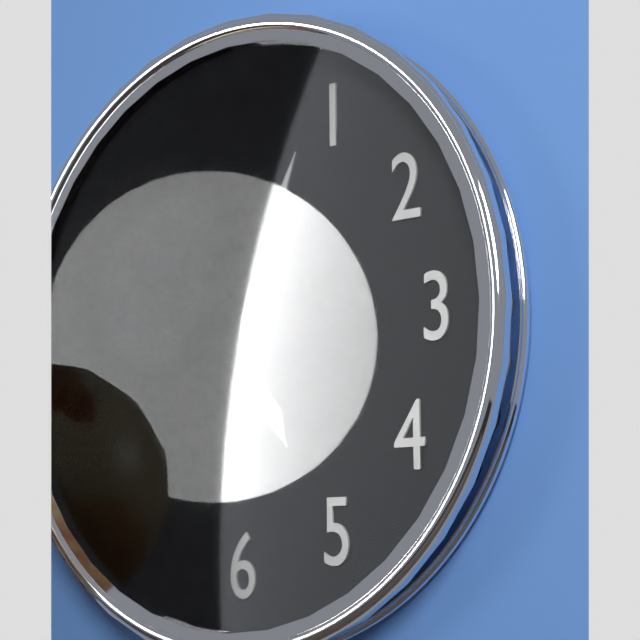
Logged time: 5 h 04 min
